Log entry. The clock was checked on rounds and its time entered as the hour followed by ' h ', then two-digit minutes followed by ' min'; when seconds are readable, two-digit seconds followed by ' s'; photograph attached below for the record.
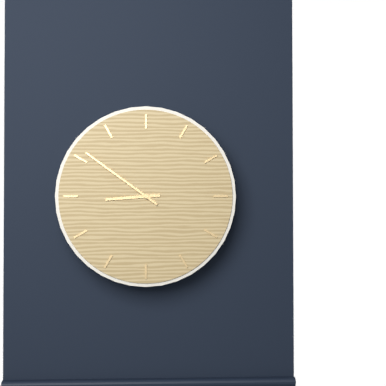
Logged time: 8 h 51 min
